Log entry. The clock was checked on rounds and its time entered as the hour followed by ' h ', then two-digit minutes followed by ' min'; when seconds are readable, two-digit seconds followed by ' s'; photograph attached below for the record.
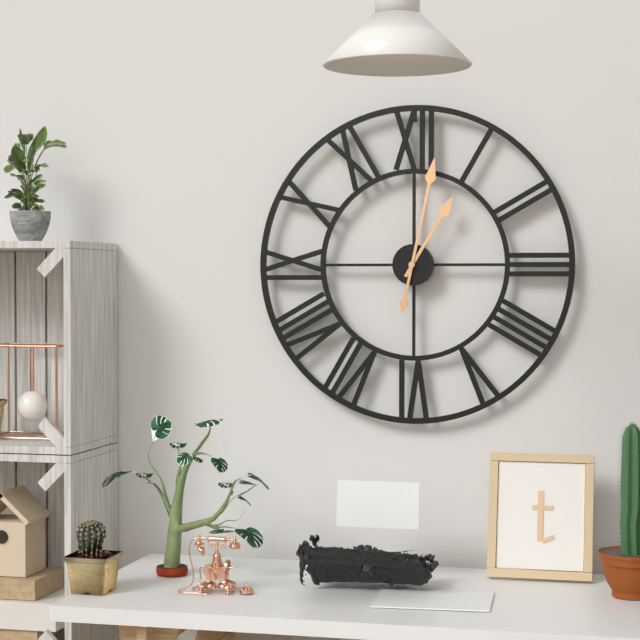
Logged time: 1 h 02 min
